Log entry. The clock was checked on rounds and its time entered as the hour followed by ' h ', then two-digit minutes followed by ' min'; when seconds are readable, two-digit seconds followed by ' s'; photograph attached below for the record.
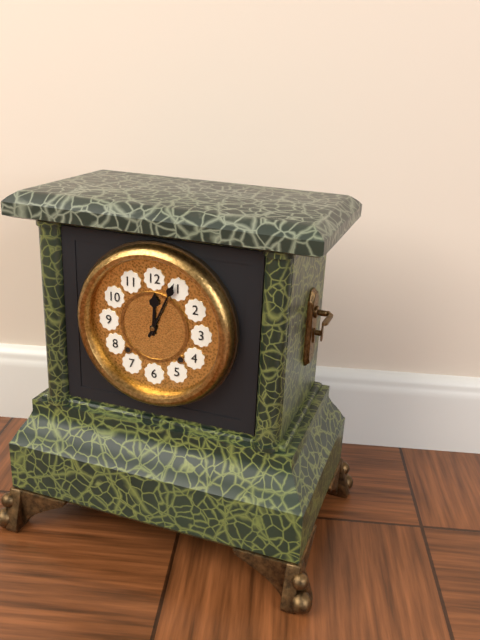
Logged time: 12 h 04 min
